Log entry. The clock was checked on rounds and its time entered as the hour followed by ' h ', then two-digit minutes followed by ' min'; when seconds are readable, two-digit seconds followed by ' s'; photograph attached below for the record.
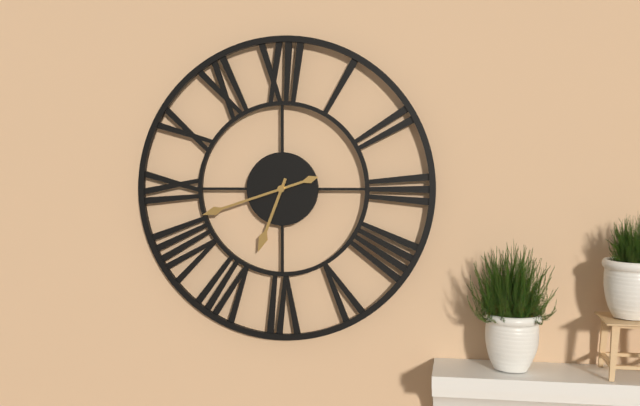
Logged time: 6 h 42 min
